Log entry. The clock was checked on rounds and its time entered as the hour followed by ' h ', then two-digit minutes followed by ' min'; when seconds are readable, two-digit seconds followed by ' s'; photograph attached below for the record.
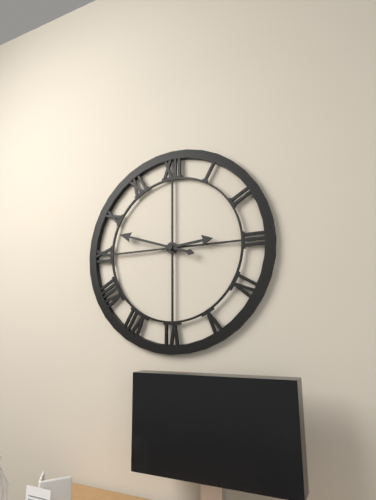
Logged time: 2 h 48 min
